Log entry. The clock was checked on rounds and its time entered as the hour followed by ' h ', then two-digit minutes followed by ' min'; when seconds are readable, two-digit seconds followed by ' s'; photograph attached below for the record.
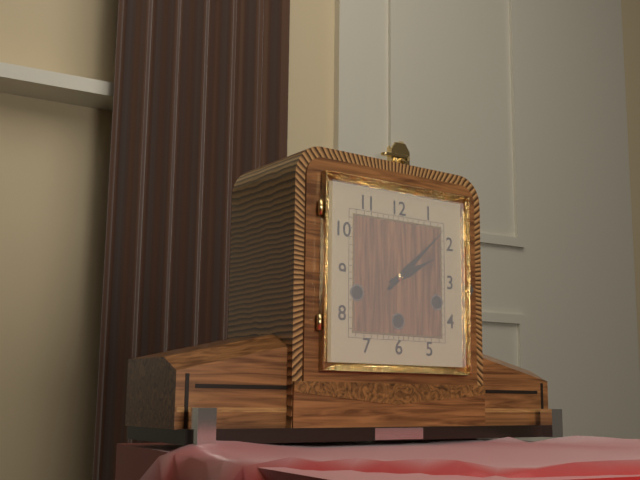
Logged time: 2 h 08 min
